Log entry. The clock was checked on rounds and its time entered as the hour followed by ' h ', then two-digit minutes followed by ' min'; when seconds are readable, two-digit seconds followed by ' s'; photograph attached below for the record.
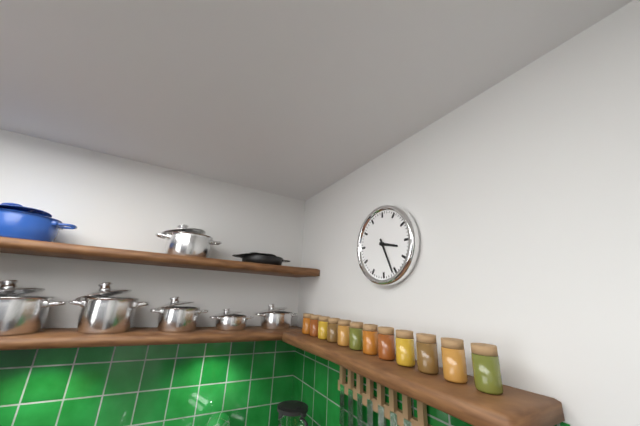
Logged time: 3 h 26 min
